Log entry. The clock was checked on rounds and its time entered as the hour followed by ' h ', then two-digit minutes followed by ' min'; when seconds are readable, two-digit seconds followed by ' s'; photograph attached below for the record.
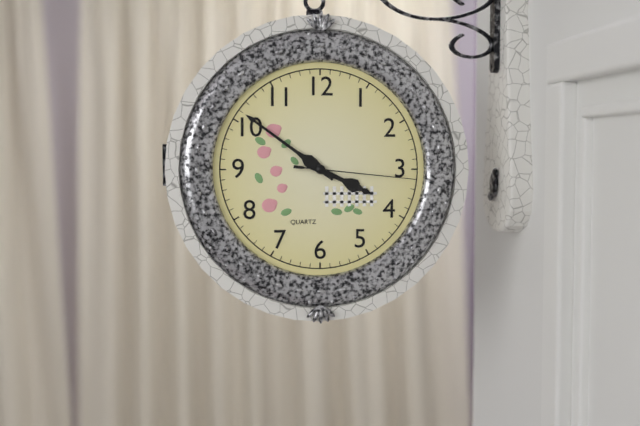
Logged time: 3 h 51 min 16 s
